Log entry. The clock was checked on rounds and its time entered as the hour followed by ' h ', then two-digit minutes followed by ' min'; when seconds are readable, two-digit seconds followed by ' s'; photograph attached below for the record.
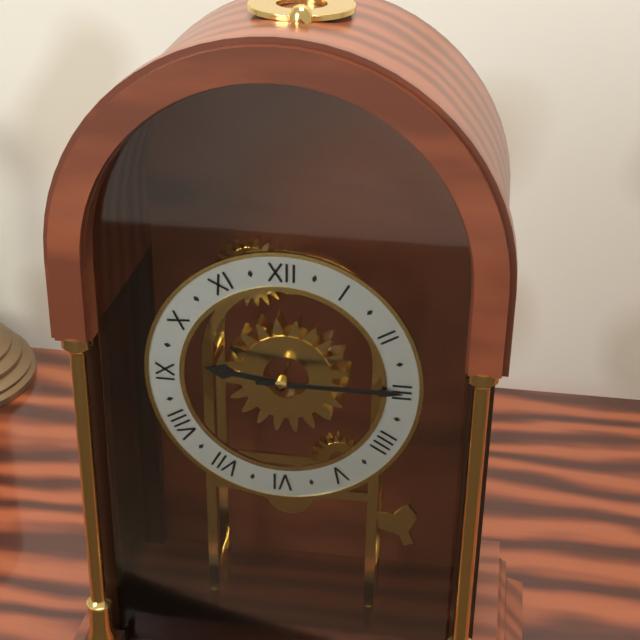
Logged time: 9 h 15 min
